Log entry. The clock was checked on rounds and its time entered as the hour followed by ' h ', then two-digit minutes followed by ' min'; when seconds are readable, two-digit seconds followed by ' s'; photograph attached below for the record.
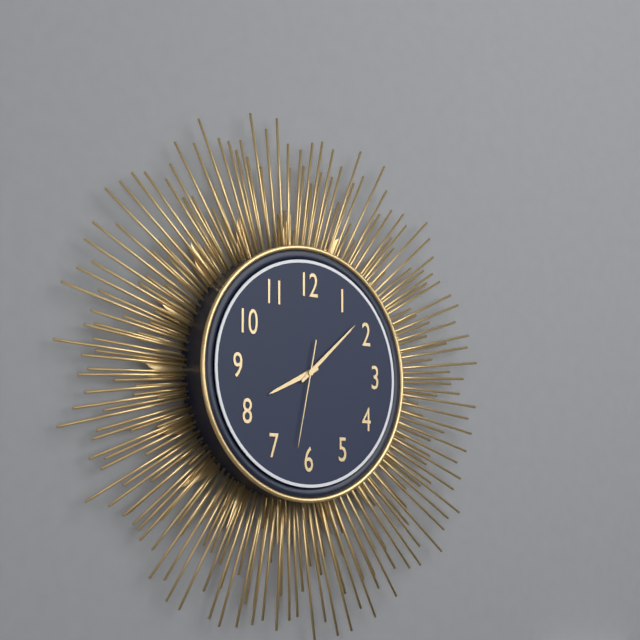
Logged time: 8 h 08 min 32 s
